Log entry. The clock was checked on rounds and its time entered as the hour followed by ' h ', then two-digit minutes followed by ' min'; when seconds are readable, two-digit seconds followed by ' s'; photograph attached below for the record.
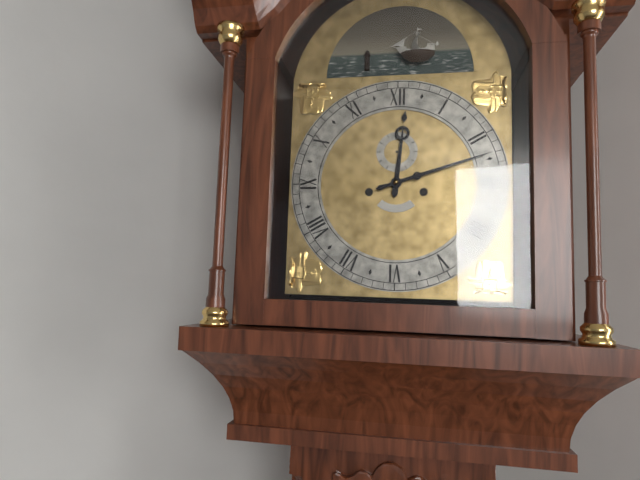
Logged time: 12 h 12 min
